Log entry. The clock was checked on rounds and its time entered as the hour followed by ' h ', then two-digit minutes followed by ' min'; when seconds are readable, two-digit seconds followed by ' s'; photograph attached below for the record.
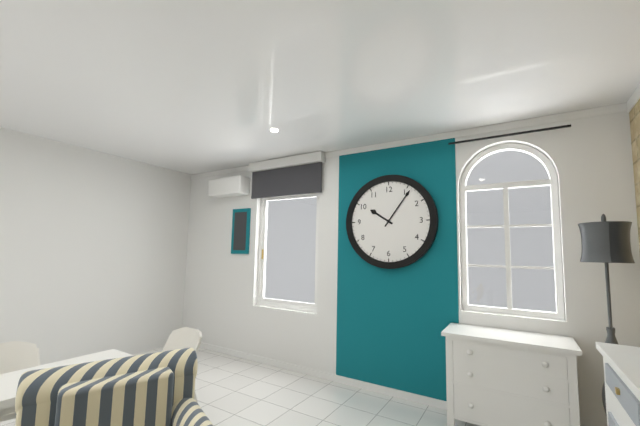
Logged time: 10 h 06 min
